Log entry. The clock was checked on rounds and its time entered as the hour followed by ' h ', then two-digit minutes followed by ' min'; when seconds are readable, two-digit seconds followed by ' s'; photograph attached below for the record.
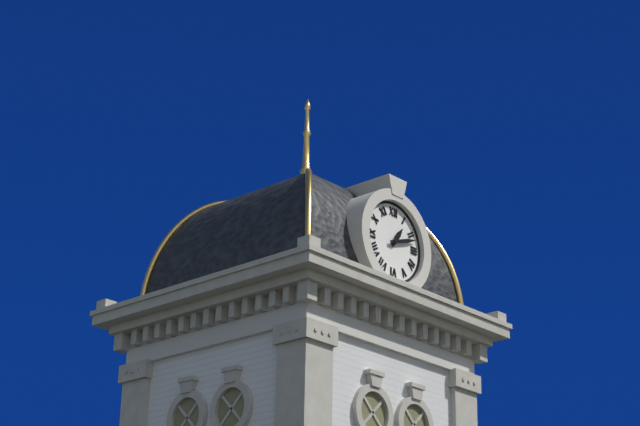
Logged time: 1 h 12 min
